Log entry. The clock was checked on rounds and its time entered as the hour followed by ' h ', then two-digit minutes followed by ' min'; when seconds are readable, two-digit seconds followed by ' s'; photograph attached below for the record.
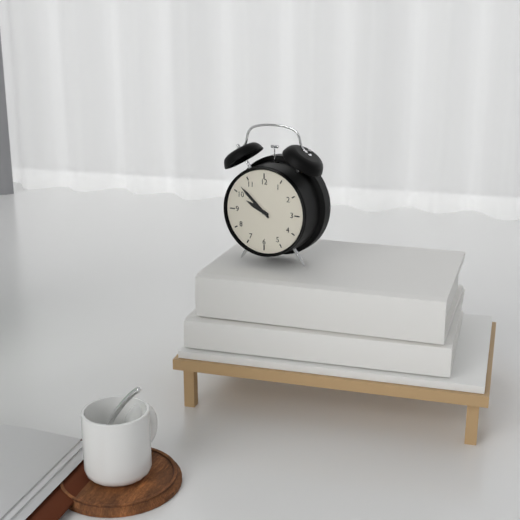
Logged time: 9 h 52 min
